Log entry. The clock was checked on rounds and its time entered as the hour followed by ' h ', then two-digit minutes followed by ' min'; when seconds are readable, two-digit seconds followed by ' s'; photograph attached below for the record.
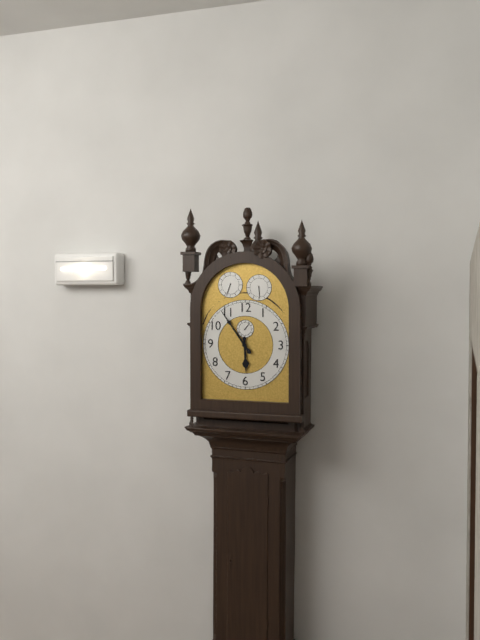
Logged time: 5 h 54 min
